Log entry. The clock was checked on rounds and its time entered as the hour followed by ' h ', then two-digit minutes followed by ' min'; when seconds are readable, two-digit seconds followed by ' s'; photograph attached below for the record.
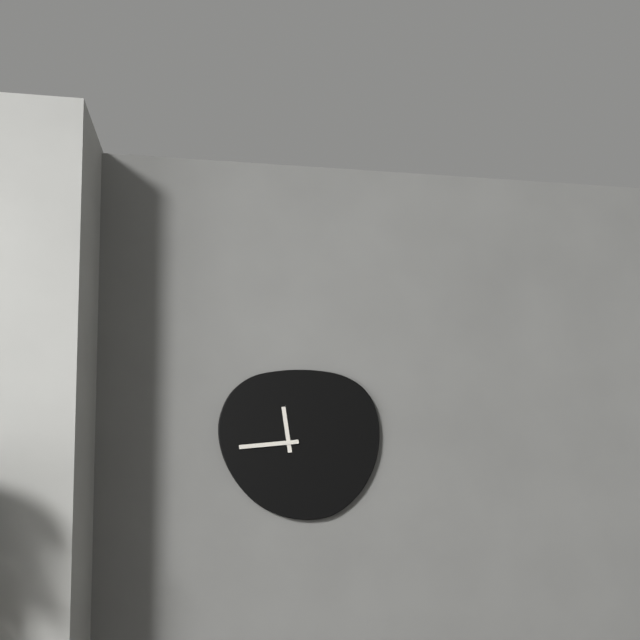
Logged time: 11 h 44 min
